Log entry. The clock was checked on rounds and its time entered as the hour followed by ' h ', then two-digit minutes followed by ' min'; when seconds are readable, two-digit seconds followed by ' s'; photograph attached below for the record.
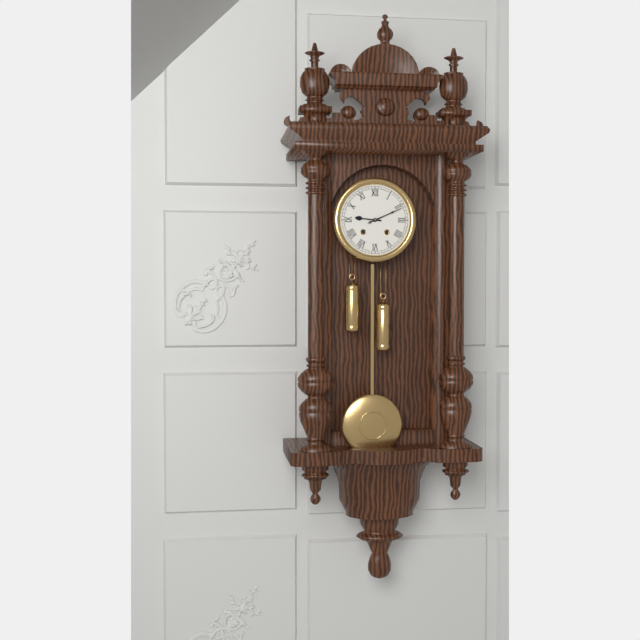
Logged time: 9 h 11 min
